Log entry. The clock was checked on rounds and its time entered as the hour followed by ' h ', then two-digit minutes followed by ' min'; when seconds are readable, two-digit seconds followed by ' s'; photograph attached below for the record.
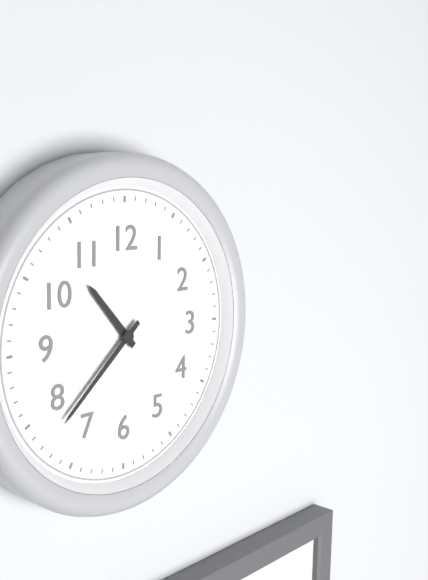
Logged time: 10 h 38 min
